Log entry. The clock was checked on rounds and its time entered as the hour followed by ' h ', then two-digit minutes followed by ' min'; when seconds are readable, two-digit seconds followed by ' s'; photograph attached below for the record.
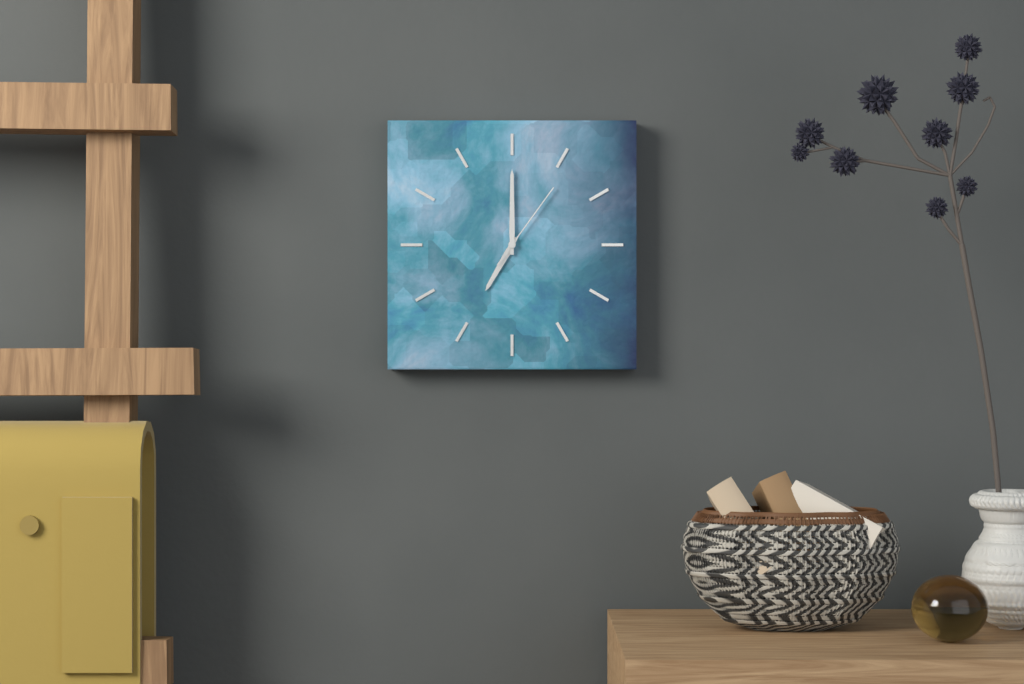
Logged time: 7 h 00 min 06 s
